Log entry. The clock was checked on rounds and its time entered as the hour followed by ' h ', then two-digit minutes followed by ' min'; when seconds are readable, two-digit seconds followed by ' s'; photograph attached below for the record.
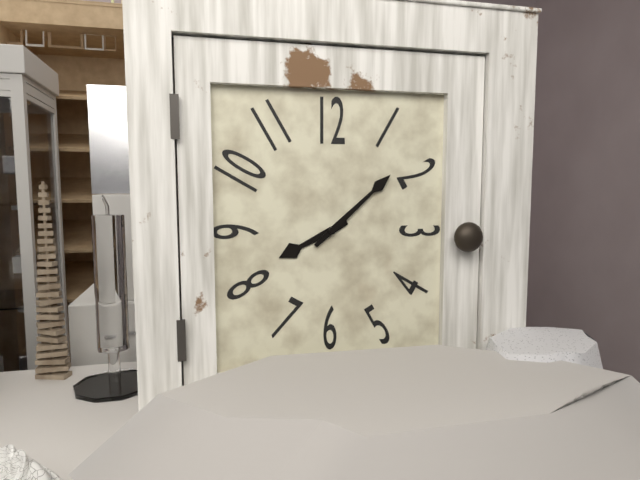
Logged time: 8 h 08 min
